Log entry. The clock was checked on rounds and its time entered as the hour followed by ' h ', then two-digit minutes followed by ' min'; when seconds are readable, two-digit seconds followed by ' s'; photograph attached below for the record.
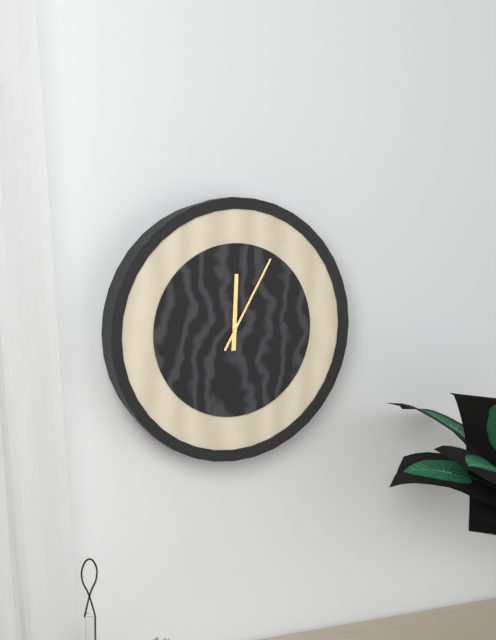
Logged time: 12 h 05 min
